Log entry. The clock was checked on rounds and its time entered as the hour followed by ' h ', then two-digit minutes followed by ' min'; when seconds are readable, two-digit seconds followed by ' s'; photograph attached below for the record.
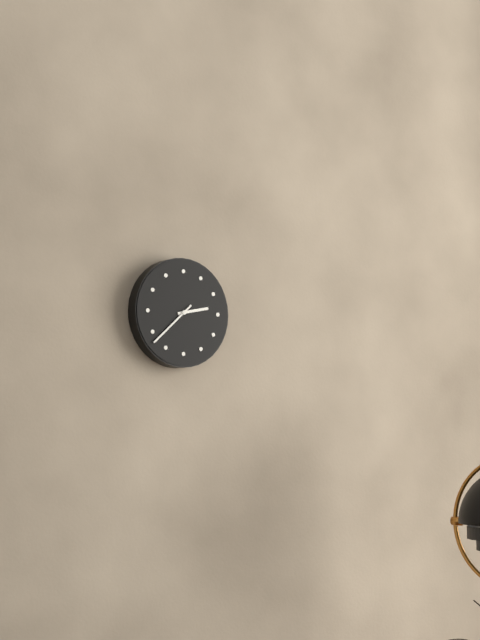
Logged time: 2 h 38 min
